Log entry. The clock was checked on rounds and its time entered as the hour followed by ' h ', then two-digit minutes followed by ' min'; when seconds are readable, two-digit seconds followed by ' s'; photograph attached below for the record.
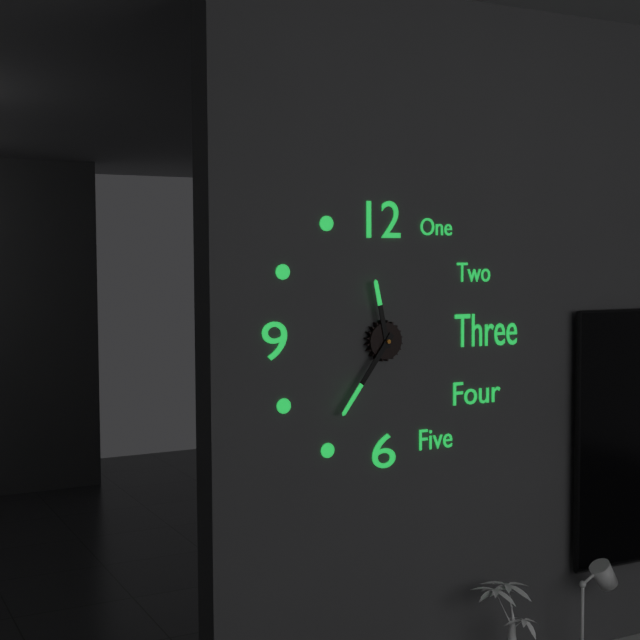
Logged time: 11 h 36 min
